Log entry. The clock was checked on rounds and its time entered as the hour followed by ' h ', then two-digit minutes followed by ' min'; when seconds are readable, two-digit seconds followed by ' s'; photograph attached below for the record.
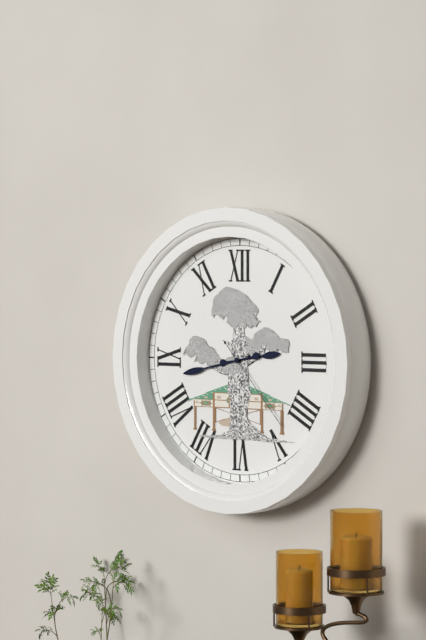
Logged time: 2 h 43 min 23 s
